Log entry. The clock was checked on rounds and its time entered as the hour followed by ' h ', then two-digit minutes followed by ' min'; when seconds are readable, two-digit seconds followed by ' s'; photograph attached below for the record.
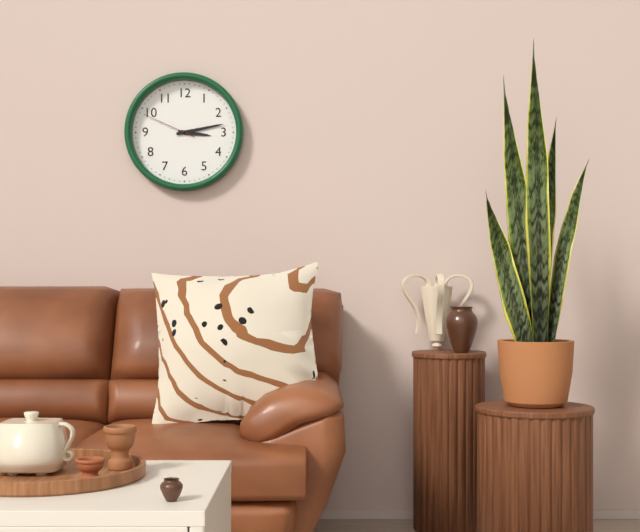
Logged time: 3 h 13 min 49 s
